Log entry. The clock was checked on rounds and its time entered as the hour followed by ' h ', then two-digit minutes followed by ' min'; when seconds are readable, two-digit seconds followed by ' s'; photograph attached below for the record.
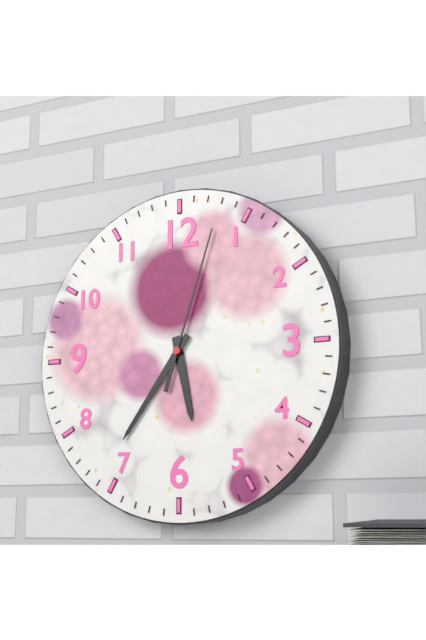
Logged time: 5 h 36 min 03 s
